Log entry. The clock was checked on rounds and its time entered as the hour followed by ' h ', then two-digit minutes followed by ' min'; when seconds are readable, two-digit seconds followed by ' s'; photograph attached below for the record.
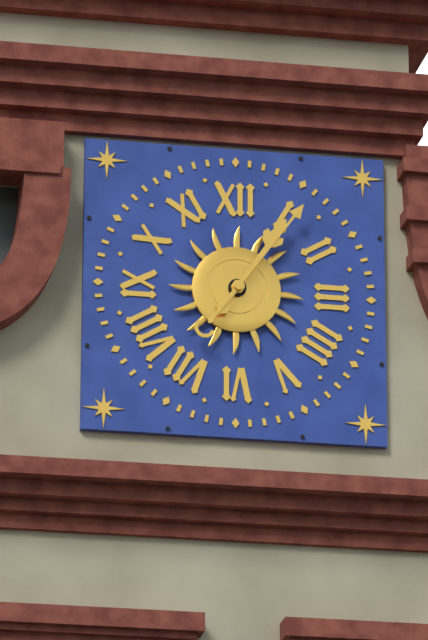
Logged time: 1 h 06 min
